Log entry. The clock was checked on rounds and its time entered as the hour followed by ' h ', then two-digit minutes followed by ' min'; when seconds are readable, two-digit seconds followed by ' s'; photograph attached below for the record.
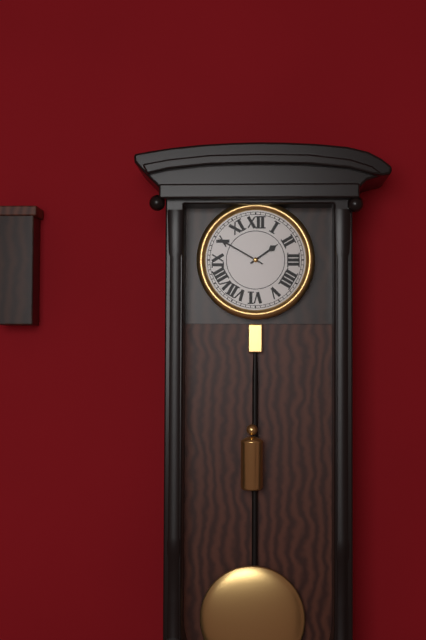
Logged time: 1 h 50 min
